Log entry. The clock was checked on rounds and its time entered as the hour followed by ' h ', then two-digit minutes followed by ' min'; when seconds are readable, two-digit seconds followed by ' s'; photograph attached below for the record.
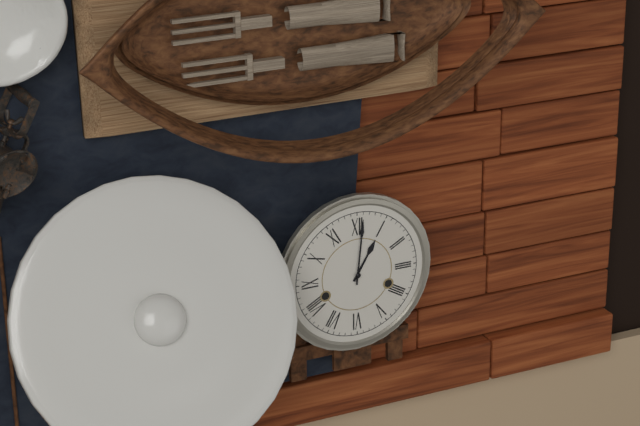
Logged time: 1 h 01 min
